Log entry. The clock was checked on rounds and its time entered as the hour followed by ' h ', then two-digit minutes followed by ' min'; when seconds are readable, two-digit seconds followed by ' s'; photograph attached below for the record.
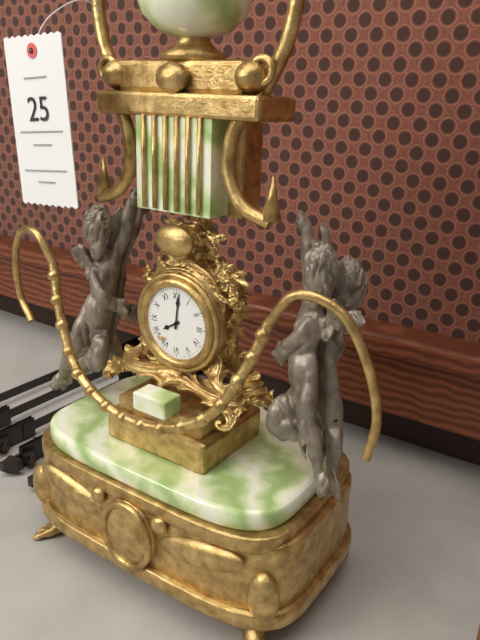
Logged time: 8 h 01 min
